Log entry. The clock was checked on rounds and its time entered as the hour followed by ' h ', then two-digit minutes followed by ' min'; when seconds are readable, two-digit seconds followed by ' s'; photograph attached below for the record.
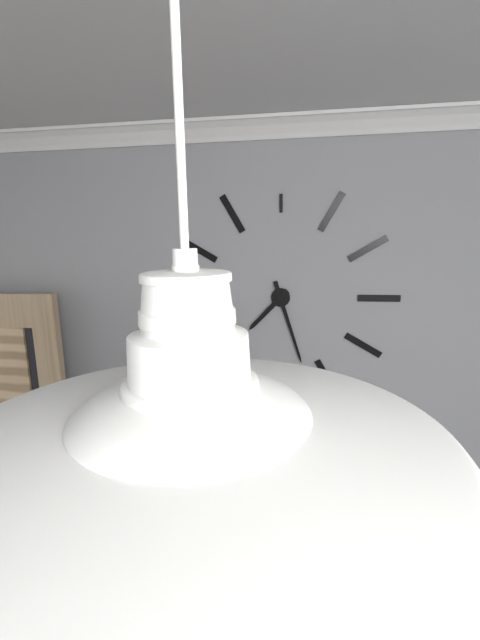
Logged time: 7 h 27 min
